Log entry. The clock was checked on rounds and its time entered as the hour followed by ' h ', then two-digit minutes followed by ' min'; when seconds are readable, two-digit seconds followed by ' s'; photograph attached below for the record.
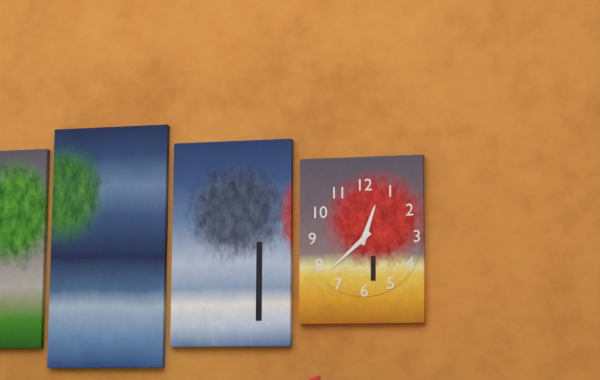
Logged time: 12 h 38 min
